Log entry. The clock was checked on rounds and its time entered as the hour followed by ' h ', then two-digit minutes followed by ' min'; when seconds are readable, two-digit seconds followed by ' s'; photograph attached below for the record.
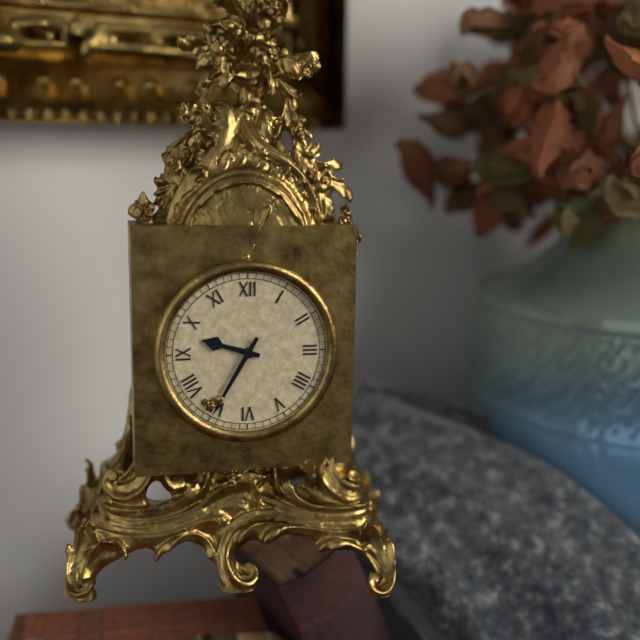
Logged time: 9 h 35 min
